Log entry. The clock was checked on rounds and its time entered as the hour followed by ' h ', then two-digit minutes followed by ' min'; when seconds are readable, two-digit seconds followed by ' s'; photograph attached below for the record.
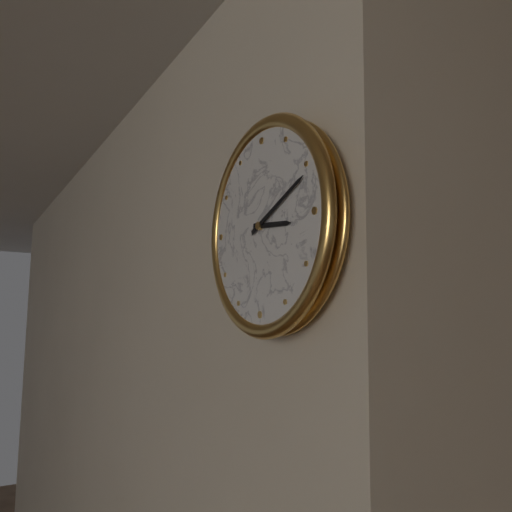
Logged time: 3 h 11 min
